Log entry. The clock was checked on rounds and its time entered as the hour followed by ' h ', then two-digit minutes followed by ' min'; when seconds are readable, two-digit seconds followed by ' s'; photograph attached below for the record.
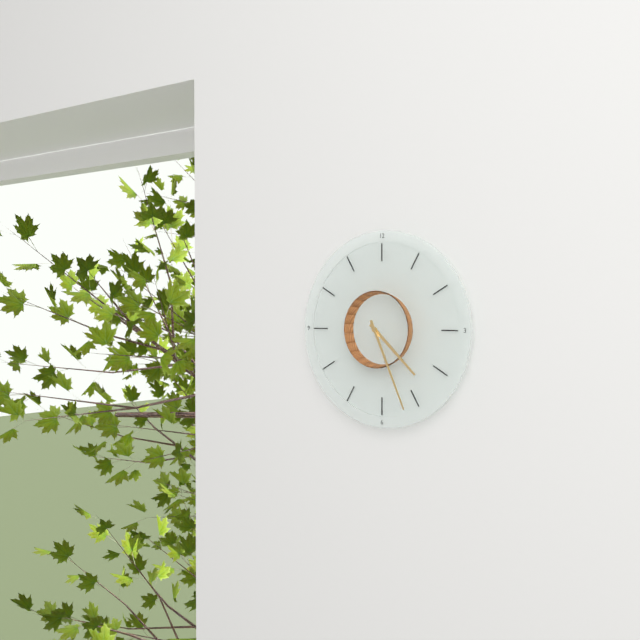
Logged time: 4 h 26 min
